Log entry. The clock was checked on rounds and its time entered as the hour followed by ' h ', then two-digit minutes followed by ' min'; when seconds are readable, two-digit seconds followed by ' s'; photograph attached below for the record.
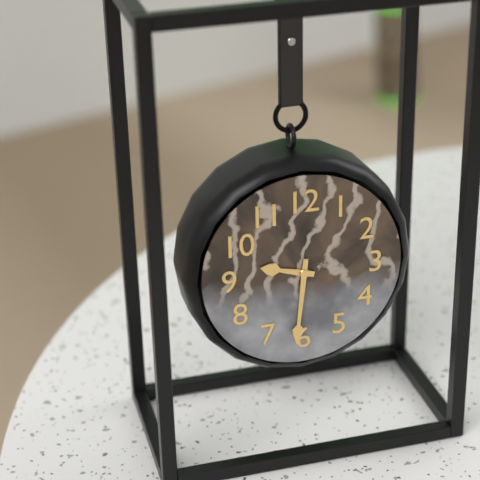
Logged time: 9 h 31 min
